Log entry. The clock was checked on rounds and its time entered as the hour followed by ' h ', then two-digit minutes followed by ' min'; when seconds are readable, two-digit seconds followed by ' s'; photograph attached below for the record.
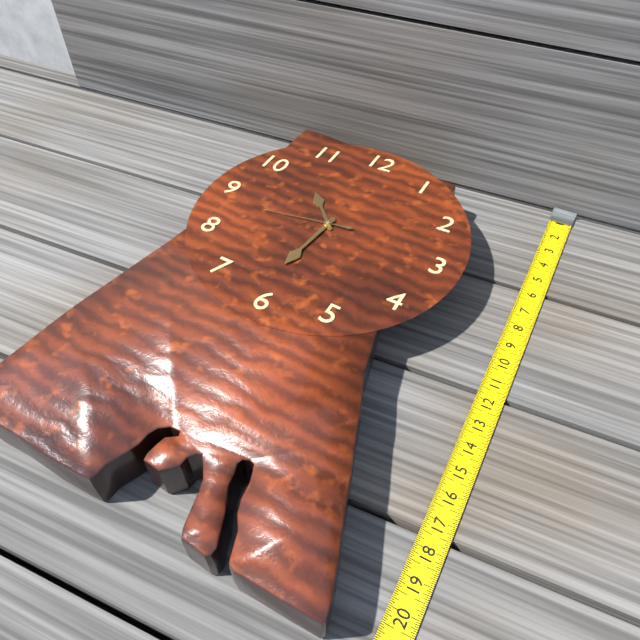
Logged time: 10 h 31 min 43 s
